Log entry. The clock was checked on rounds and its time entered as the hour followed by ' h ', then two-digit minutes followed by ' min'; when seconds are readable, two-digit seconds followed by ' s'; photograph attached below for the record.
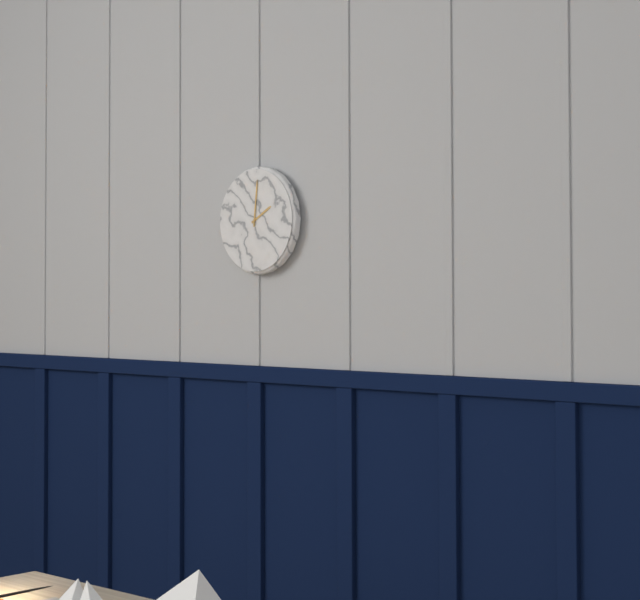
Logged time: 2 h 01 min
